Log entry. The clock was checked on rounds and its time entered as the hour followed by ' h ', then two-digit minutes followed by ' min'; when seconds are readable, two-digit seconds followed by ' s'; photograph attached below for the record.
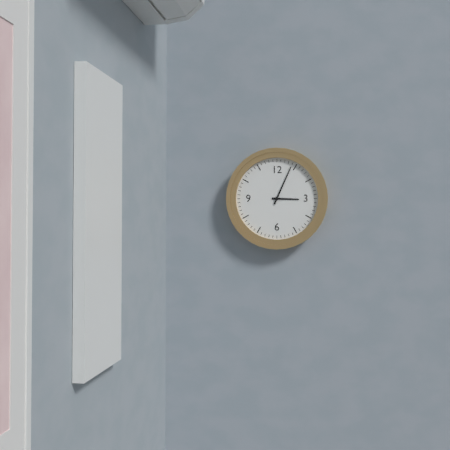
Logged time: 3 h 04 min
